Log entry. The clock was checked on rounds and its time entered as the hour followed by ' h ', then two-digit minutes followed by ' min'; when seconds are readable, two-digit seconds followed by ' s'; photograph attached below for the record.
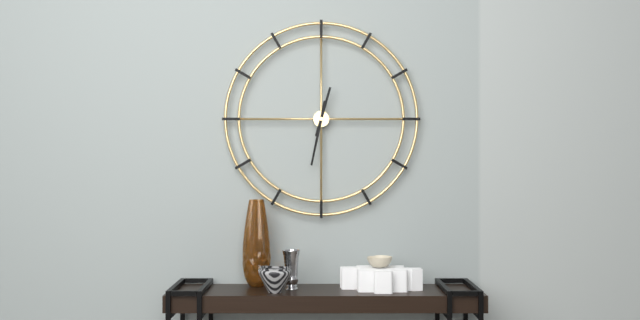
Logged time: 12 h 32 min
